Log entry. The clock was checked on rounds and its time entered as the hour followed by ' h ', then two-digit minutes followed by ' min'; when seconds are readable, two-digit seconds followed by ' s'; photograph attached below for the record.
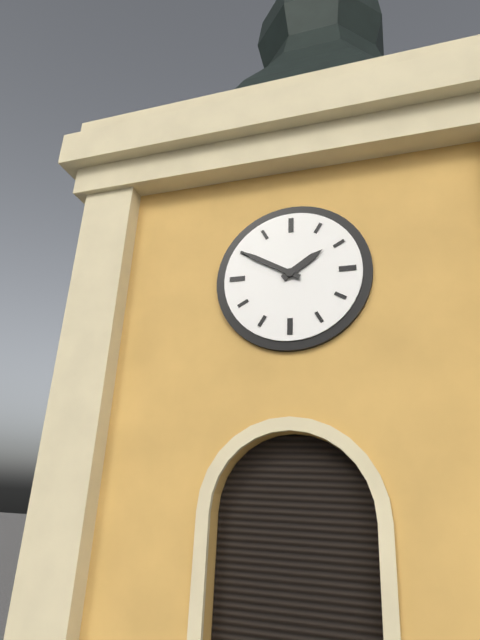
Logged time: 1 h 50 min
